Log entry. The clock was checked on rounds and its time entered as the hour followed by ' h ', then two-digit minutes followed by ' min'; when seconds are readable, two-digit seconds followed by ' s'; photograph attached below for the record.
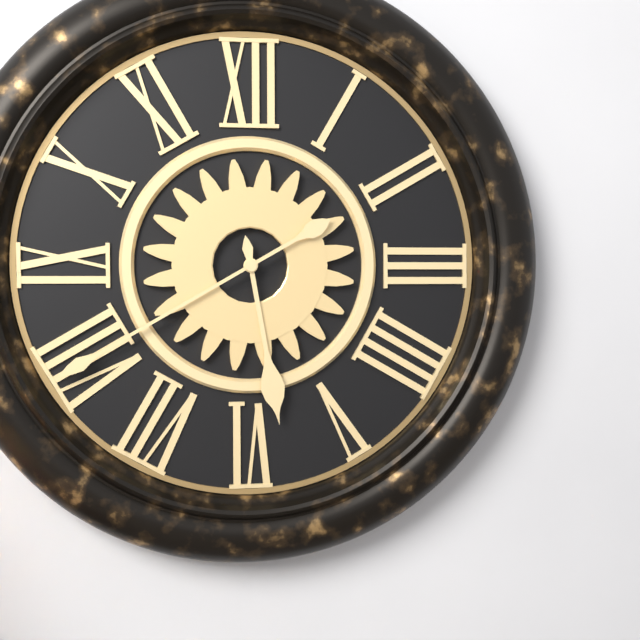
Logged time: 5 h 40 min
